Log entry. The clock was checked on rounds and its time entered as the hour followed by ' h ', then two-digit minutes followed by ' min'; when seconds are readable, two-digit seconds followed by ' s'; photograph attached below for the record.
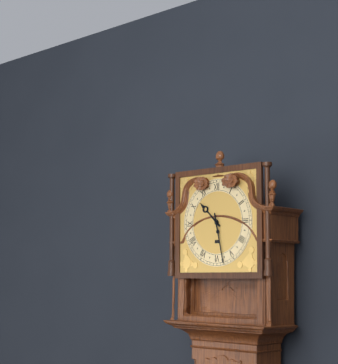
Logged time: 10 h 28 min
